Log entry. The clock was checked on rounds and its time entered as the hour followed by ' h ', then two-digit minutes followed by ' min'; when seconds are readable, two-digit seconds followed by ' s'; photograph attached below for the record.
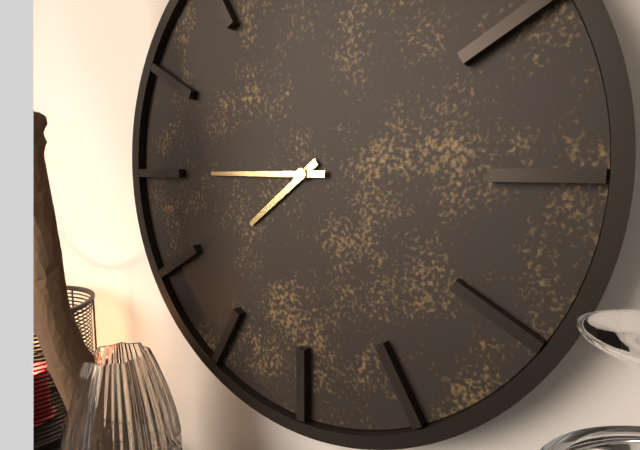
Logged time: 7 h 45 min
